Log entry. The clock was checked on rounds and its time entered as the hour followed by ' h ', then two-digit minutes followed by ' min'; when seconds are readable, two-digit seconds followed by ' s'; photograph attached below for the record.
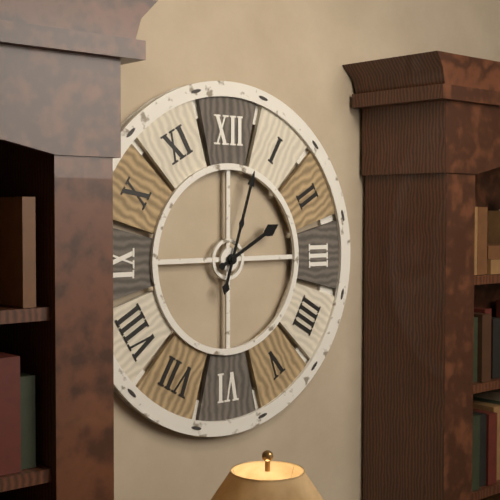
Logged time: 2 h 03 min
